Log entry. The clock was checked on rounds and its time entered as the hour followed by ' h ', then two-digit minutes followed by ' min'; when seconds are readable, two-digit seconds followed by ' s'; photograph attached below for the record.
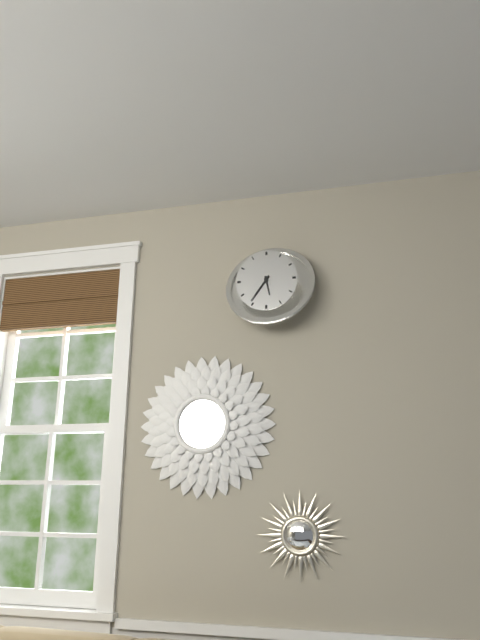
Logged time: 5 h 36 min
